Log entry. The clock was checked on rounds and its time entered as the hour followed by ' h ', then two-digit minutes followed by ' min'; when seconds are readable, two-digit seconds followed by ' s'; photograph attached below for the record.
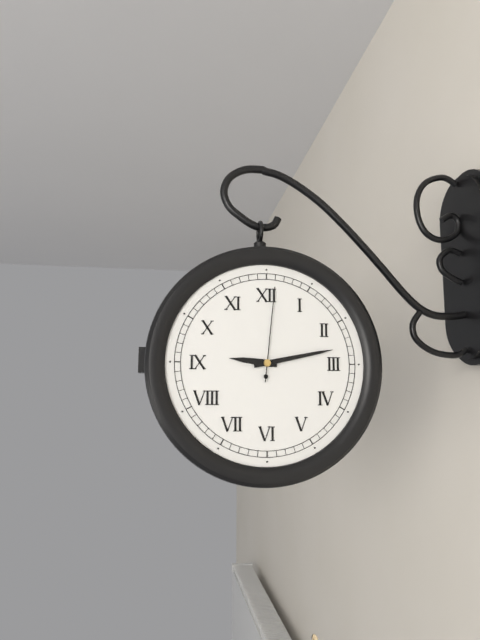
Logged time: 9 h 13 min 01 s
